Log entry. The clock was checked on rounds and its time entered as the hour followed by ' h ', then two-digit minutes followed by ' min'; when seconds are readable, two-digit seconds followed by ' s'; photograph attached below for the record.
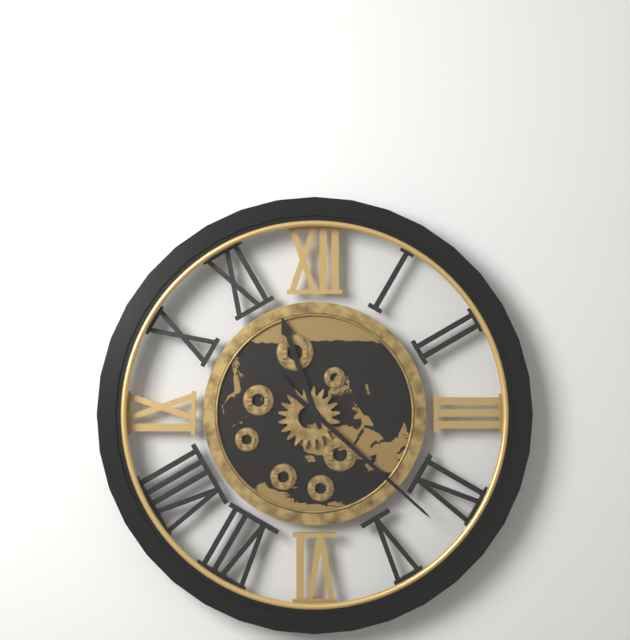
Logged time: 11 h 22 min
